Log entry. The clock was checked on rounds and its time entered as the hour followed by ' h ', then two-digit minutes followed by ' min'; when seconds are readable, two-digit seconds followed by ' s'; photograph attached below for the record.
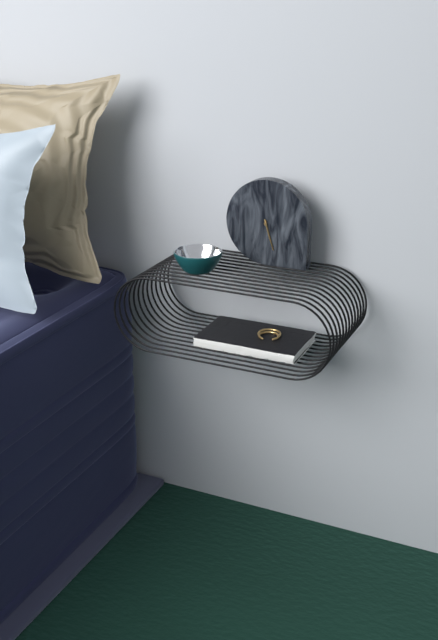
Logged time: 5 h 27 min
